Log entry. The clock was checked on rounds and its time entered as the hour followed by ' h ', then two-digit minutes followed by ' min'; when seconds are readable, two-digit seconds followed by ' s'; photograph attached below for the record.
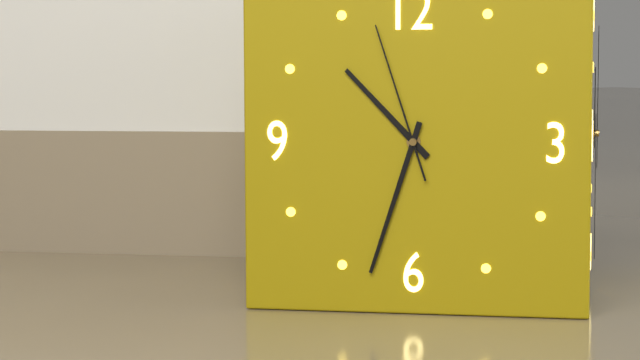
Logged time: 10 h 33 min 57 s
